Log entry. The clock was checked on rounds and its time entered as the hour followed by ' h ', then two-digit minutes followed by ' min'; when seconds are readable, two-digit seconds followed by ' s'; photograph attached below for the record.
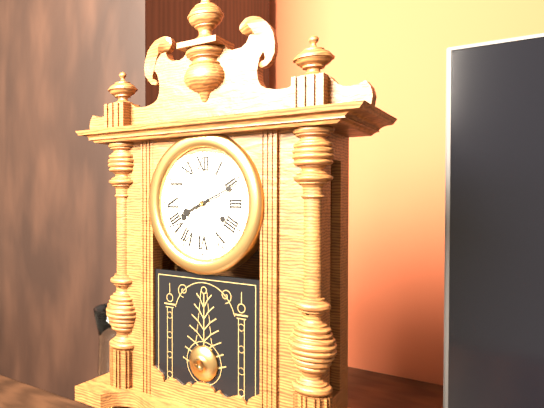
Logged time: 8 h 11 min
